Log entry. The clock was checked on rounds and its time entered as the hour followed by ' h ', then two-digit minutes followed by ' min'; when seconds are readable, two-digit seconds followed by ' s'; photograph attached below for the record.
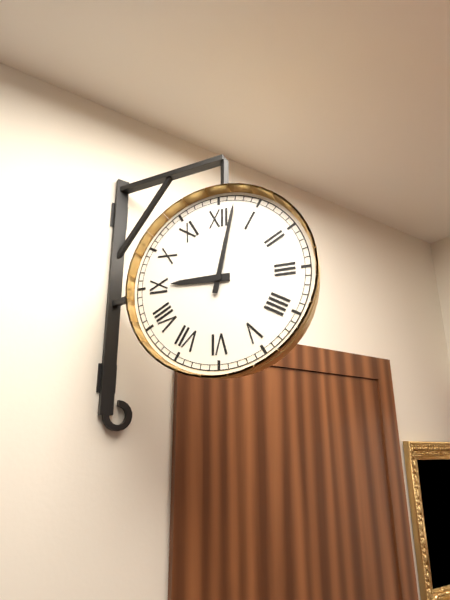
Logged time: 9 h 02 min
